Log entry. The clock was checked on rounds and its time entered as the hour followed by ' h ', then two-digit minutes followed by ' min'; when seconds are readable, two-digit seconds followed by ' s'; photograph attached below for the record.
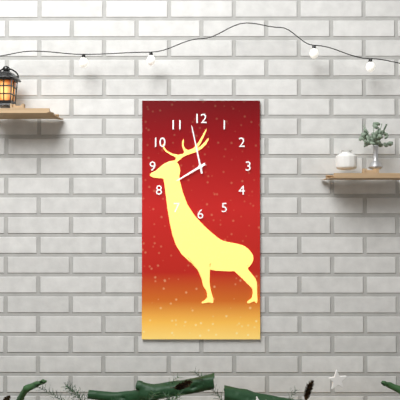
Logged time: 7 h 58 min
